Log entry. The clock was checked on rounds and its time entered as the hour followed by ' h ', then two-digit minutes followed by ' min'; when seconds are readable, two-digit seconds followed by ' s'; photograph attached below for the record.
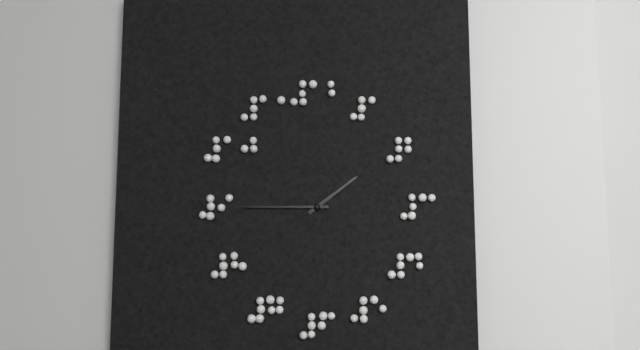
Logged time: 1 h 45 min
